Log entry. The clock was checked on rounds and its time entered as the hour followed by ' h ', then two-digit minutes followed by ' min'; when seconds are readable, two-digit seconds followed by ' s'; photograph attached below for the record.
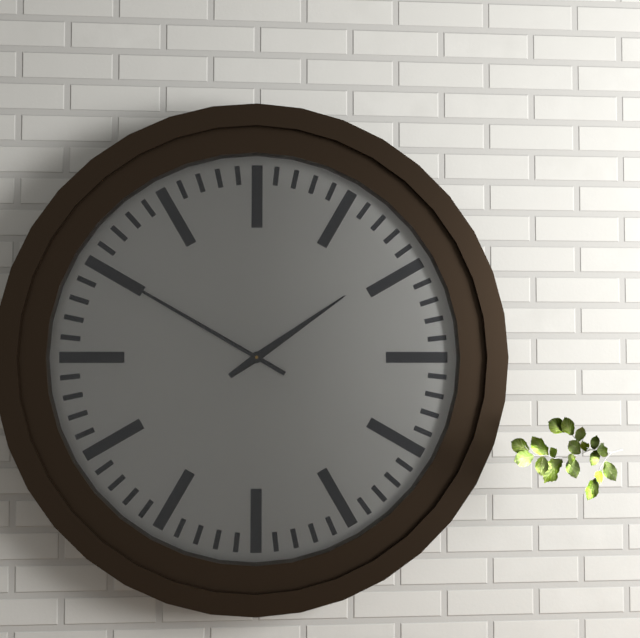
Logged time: 1 h 50 min
